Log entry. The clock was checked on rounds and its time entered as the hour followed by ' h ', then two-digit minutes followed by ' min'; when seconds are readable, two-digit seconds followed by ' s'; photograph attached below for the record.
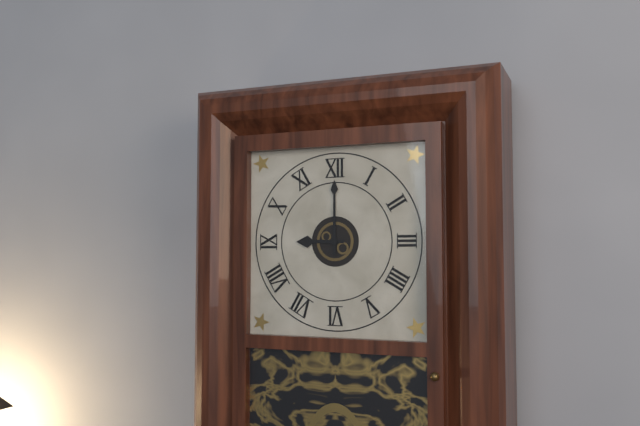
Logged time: 9 h 00 min
